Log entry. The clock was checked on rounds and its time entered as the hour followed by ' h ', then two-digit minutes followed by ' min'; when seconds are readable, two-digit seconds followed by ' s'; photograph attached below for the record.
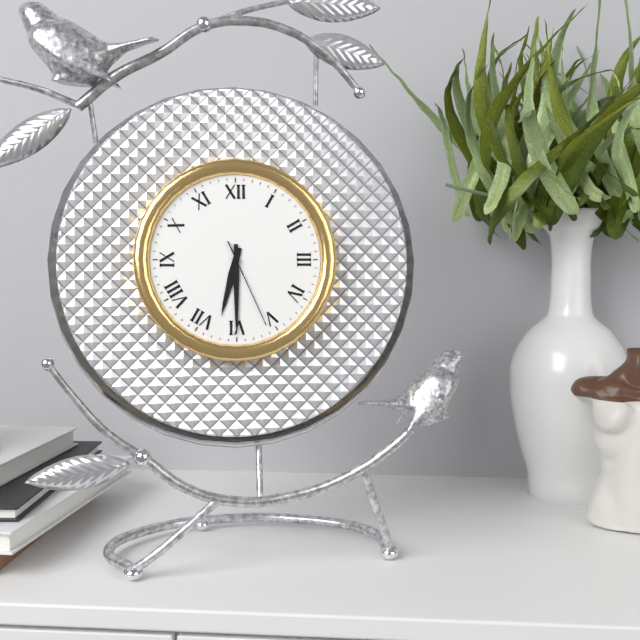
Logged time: 6 h 30 min 26 s
